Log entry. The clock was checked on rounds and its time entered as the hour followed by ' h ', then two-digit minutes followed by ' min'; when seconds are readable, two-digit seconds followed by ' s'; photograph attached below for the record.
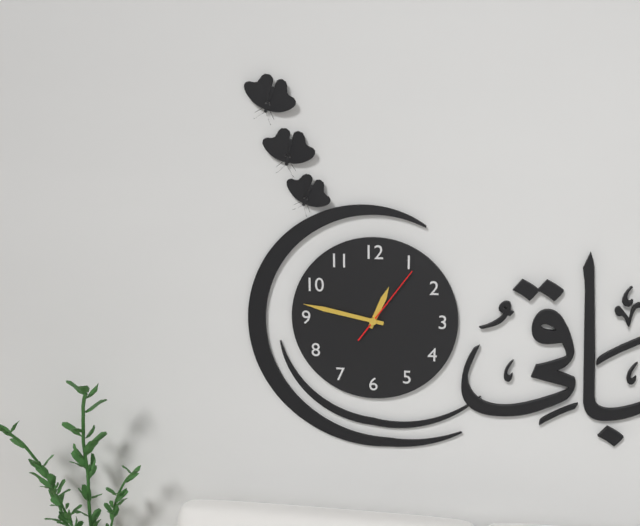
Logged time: 12 h 47 min 06 s
